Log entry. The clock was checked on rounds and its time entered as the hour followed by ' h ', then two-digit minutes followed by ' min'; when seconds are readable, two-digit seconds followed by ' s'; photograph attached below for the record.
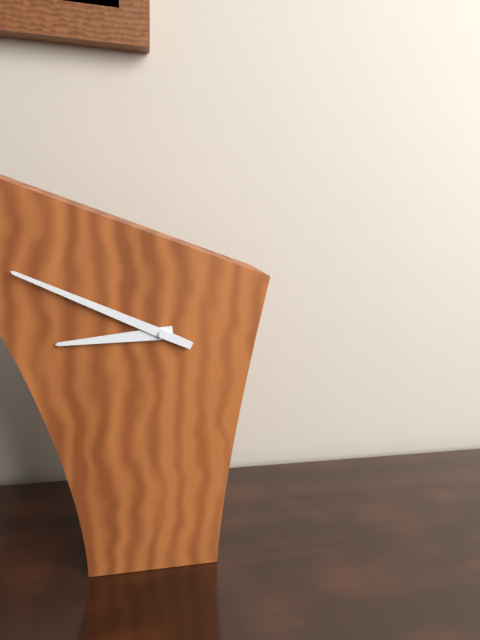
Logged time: 8 h 49 min
